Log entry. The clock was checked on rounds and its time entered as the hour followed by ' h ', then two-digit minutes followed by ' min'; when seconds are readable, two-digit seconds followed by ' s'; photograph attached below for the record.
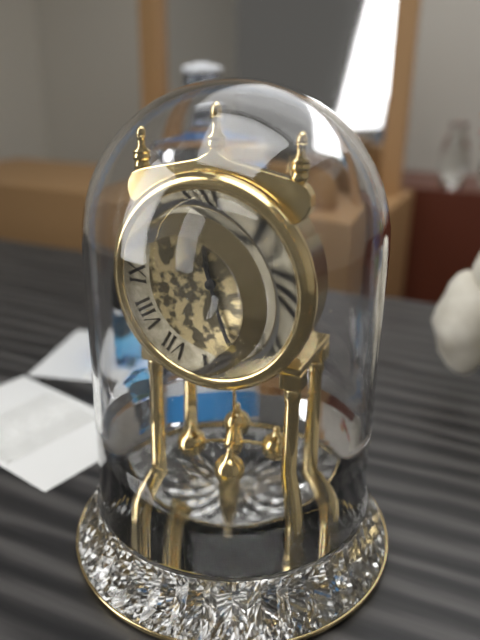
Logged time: 11 h 27 min
